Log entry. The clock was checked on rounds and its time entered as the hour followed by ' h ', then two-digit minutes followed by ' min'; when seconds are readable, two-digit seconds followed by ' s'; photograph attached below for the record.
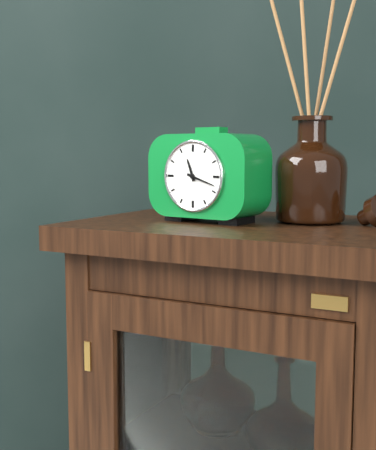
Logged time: 11 h 18 min
